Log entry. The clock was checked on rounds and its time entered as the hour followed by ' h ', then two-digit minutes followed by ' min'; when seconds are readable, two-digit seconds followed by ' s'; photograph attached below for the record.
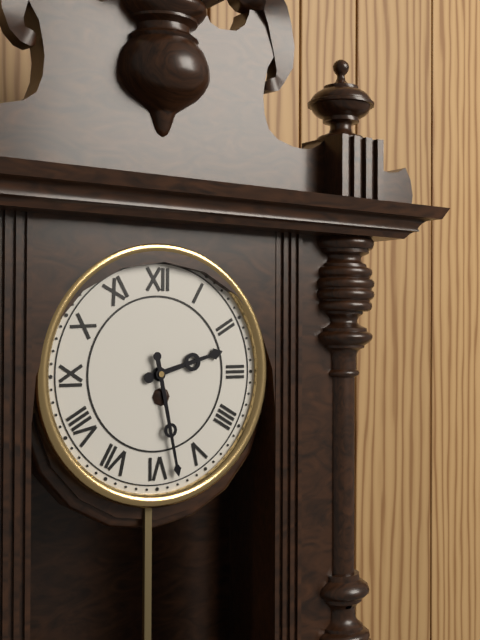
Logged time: 2 h 28 min
